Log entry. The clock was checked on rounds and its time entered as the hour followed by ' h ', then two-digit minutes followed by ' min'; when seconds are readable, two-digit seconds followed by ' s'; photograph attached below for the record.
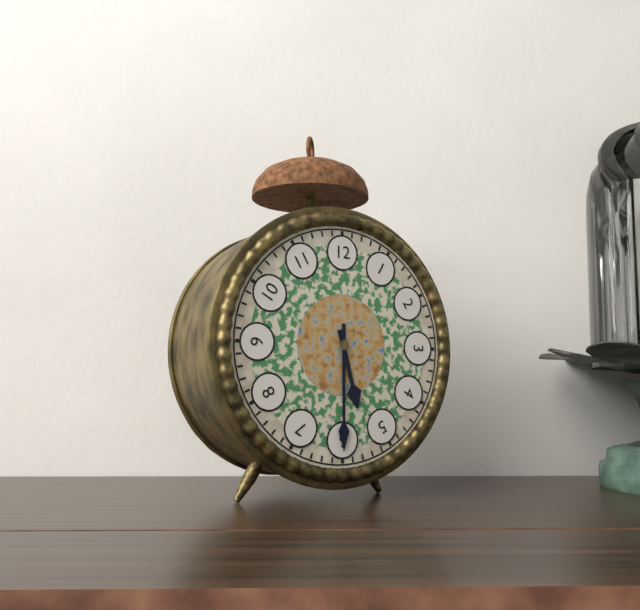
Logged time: 5 h 30 min
